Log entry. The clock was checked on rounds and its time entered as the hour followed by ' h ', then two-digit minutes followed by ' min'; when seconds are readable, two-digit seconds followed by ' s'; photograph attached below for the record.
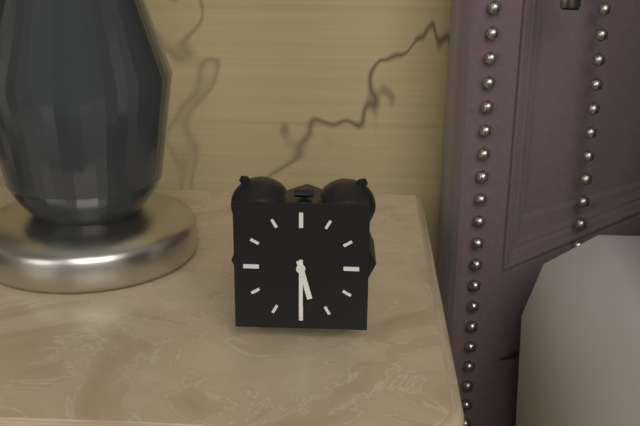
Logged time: 5 h 30 min
